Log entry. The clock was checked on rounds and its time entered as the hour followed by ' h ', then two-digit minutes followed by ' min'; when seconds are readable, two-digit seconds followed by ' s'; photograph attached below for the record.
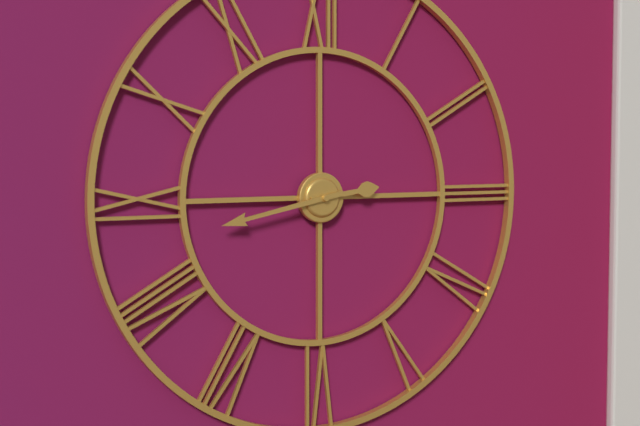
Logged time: 2 h 43 min
